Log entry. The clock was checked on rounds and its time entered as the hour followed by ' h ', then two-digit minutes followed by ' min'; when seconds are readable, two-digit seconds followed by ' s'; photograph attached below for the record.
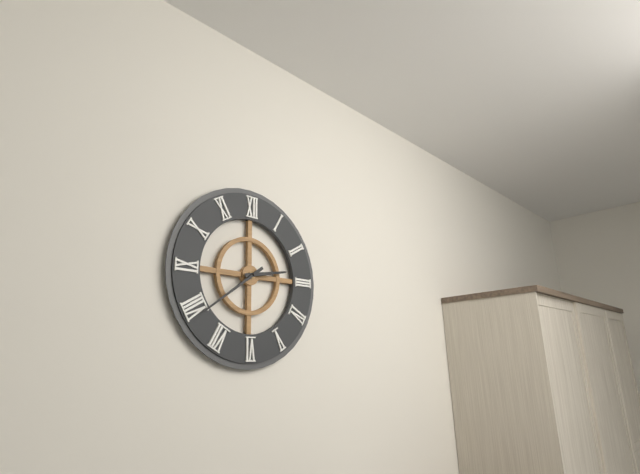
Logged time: 2 h 39 min
